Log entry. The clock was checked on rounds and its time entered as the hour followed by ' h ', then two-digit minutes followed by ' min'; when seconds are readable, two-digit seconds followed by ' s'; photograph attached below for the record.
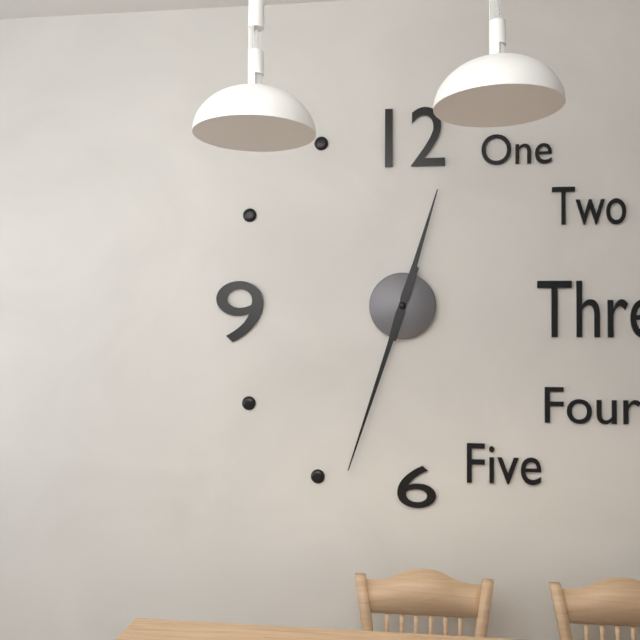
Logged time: 12 h 33 min
